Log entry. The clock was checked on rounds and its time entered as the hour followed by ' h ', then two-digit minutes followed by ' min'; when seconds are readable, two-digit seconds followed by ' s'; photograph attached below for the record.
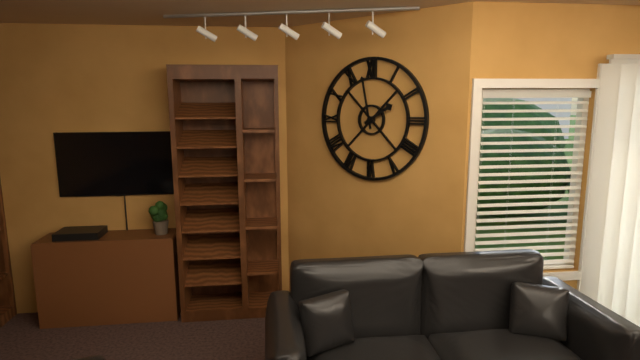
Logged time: 1 h 58 min
